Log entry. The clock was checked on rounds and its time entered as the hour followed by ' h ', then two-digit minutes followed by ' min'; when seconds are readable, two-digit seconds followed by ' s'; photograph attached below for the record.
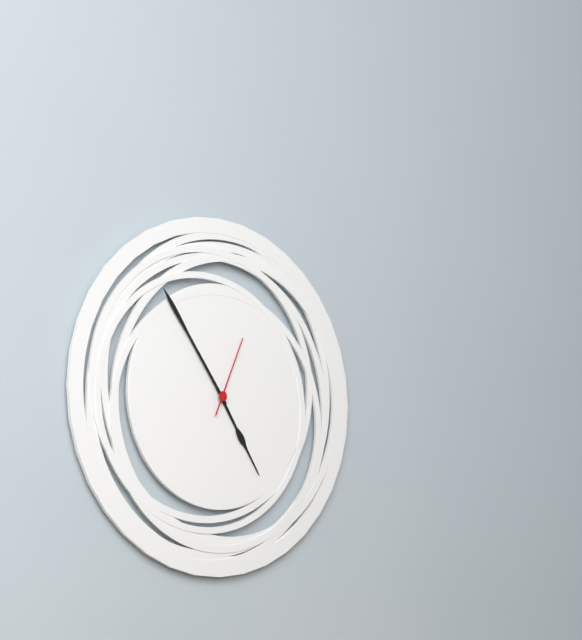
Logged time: 4 h 54 min 04 s
